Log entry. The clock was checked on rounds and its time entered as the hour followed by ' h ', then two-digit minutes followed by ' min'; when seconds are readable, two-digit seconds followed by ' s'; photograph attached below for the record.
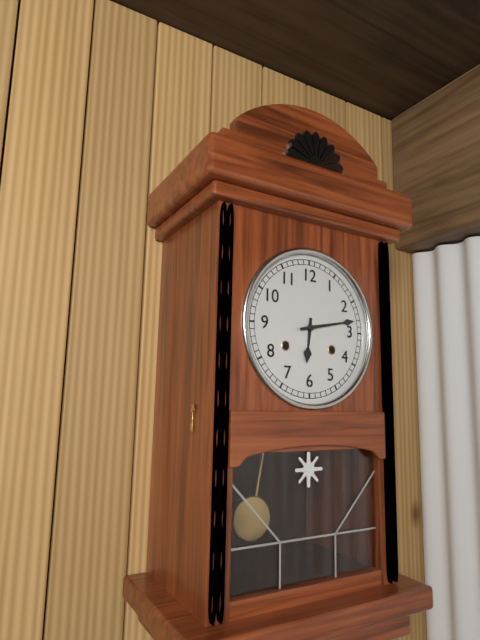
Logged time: 6 h 13 min
